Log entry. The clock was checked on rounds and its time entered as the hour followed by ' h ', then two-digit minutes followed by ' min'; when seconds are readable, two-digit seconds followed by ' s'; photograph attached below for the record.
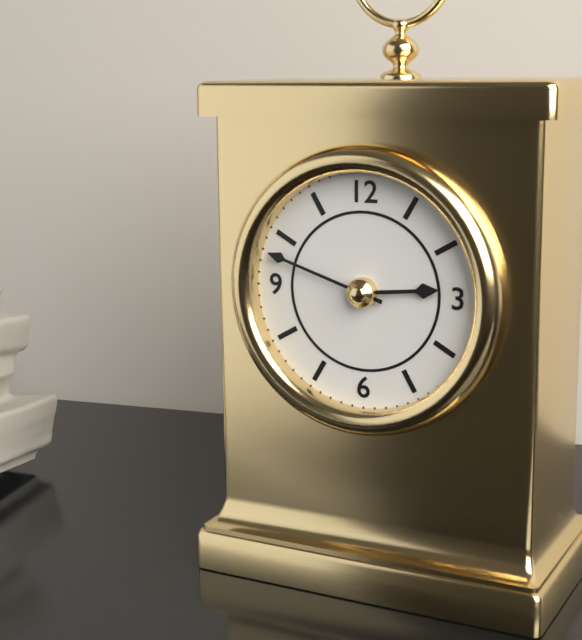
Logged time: 2 h 48 min
